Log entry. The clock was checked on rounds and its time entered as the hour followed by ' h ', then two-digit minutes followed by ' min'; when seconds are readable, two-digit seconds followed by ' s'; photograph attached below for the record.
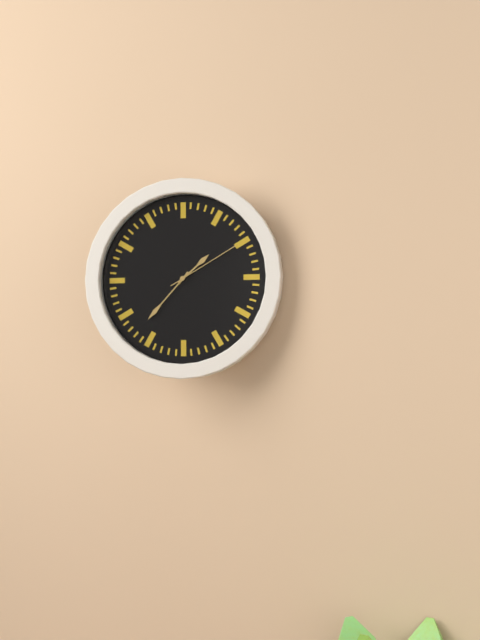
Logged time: 1 h 37 min 10 s
